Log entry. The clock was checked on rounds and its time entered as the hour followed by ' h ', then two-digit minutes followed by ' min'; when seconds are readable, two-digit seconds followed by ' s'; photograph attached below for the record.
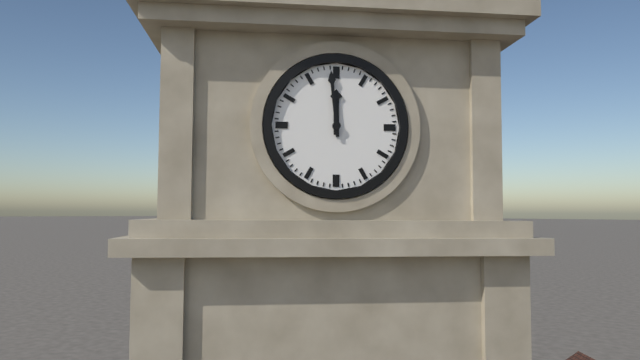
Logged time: 11 h 59 min
